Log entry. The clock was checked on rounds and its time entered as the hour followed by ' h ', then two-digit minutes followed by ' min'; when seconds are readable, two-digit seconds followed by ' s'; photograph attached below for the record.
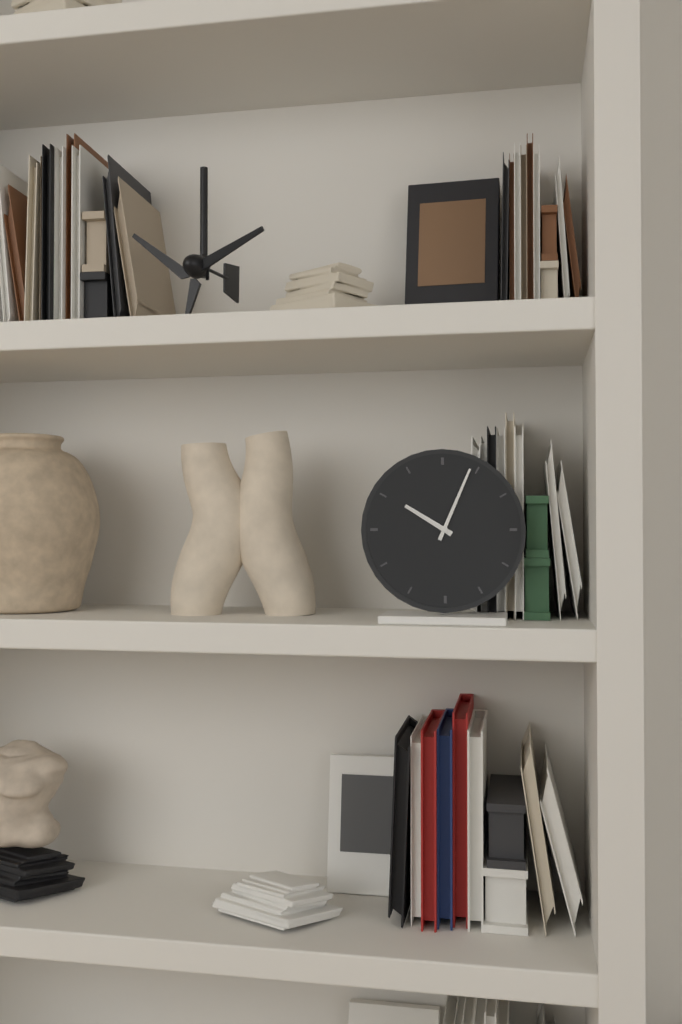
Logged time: 10 h 04 min
